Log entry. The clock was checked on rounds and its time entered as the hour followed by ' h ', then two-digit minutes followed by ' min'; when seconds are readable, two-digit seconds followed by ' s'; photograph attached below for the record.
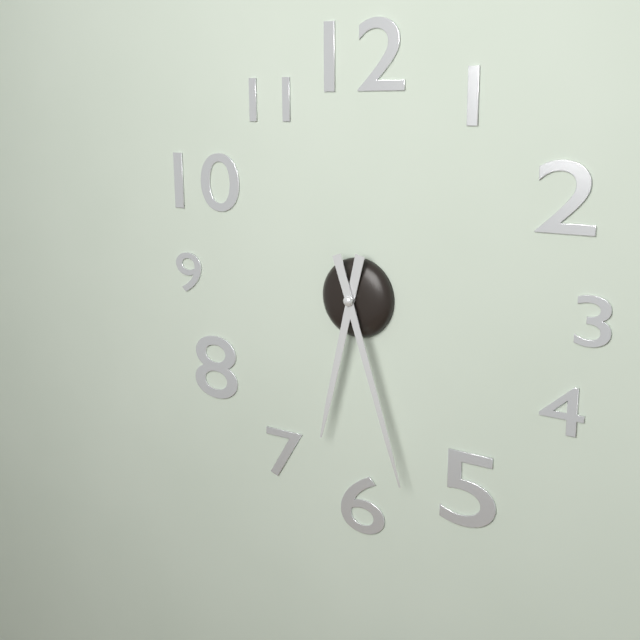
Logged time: 6 h 27 min
